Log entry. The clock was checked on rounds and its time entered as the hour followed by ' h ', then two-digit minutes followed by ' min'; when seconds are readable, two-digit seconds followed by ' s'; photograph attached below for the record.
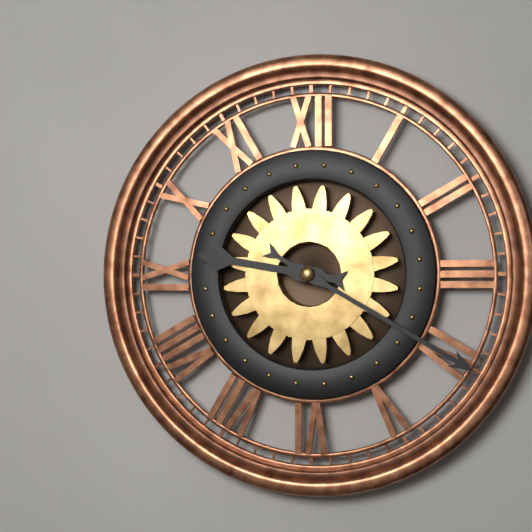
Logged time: 9 h 20 min
